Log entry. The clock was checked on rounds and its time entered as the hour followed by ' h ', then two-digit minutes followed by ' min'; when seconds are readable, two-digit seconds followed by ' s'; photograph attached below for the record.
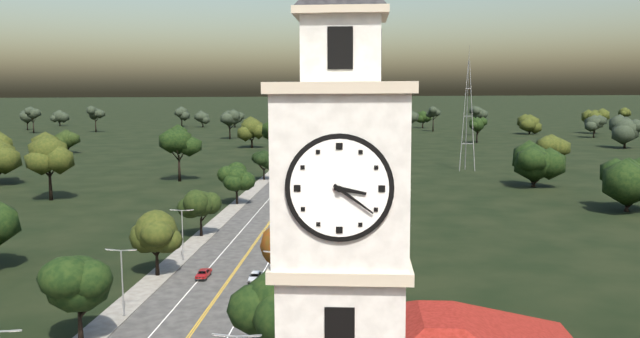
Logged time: 3 h 21 min
